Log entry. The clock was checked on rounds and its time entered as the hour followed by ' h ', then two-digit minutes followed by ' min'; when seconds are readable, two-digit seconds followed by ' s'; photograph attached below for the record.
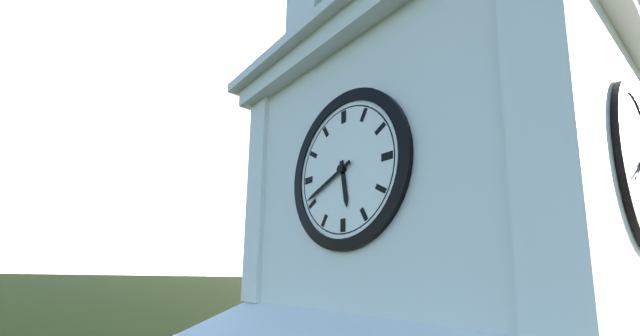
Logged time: 5 h 41 min
